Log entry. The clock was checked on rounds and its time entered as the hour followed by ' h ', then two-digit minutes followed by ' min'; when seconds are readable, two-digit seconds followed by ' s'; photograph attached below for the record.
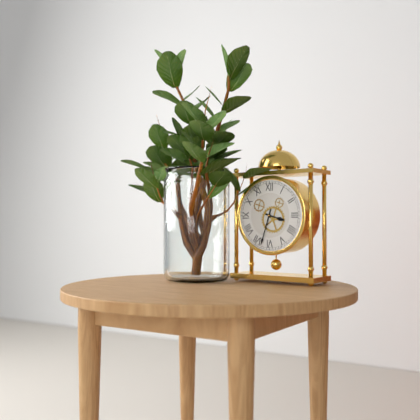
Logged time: 3 h 33 min
